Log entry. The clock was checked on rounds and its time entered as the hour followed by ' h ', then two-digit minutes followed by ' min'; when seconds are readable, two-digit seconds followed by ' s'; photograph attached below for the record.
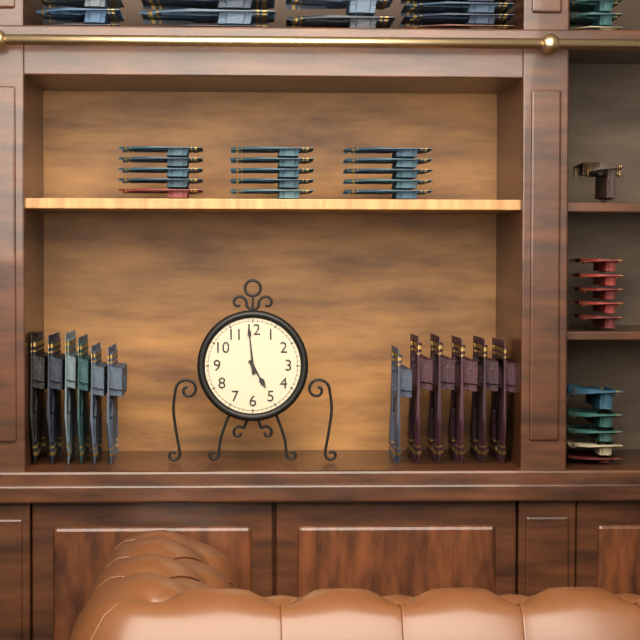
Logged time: 4 h 59 min
